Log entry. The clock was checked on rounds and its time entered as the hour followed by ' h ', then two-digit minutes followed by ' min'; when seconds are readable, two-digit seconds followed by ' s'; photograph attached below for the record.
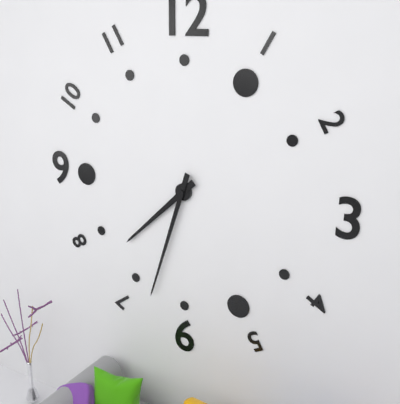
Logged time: 7 h 33 min
